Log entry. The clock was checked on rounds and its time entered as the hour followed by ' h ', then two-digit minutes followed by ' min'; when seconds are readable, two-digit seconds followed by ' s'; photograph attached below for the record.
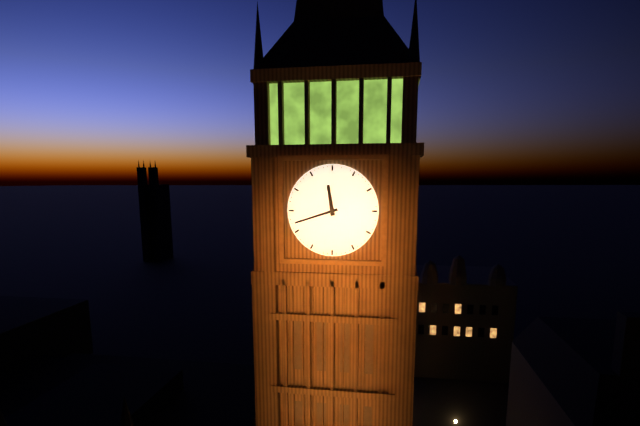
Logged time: 11 h 42 min
